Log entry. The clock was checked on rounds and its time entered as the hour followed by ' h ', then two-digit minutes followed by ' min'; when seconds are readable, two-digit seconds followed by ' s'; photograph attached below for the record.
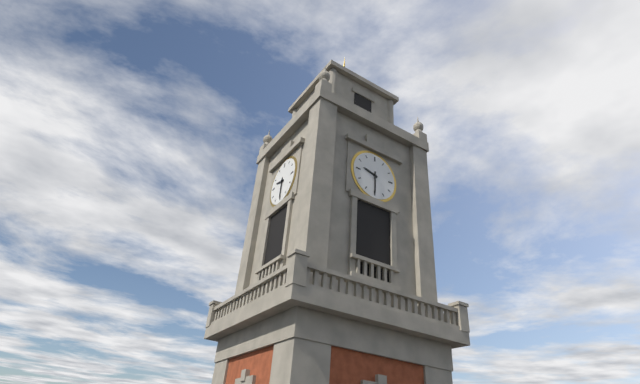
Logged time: 9 h 30 min
